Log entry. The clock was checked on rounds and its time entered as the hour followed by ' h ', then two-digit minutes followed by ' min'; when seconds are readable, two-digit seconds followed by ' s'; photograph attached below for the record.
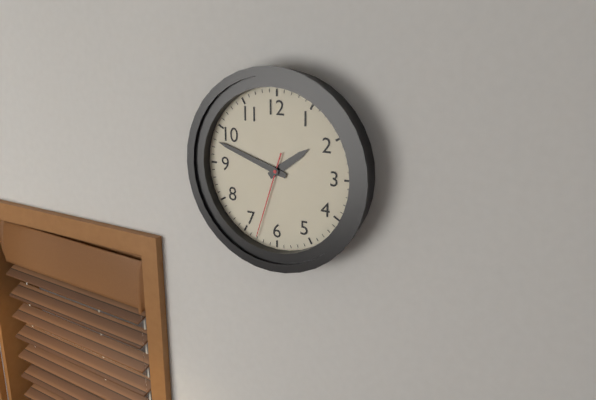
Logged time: 1 h 48 min 33 s
